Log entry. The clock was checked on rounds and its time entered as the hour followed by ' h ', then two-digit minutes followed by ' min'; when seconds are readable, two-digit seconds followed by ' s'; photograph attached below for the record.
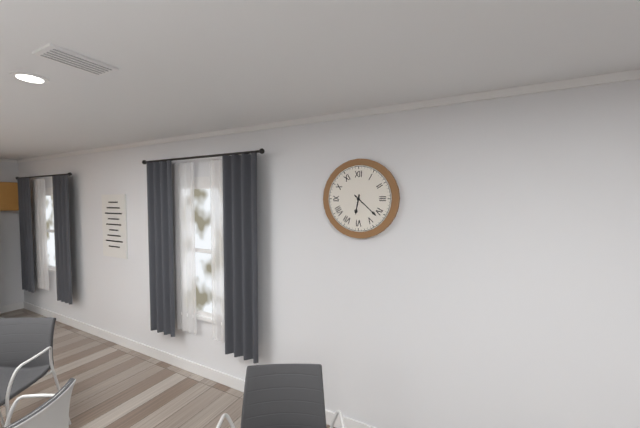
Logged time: 6 h 22 min
